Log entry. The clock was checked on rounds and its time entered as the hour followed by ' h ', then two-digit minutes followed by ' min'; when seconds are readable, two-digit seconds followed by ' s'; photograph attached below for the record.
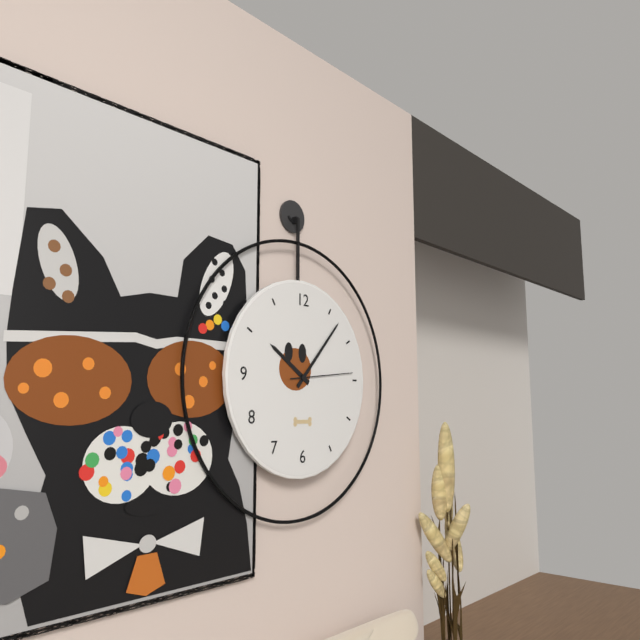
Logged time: 10 h 07 min 14 s
